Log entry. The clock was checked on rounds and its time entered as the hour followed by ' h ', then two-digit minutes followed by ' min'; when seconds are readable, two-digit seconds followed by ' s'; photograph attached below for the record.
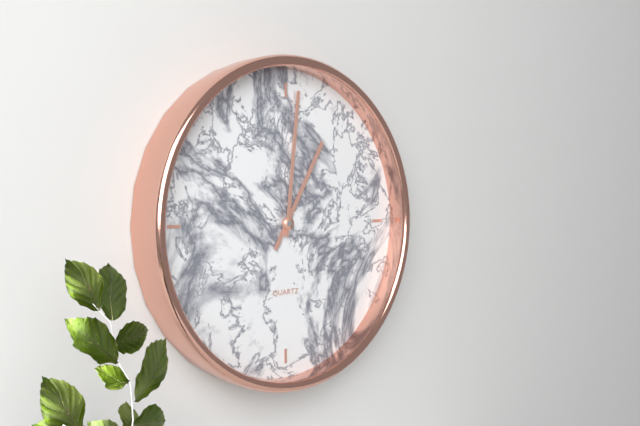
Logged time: 1 h 01 min
